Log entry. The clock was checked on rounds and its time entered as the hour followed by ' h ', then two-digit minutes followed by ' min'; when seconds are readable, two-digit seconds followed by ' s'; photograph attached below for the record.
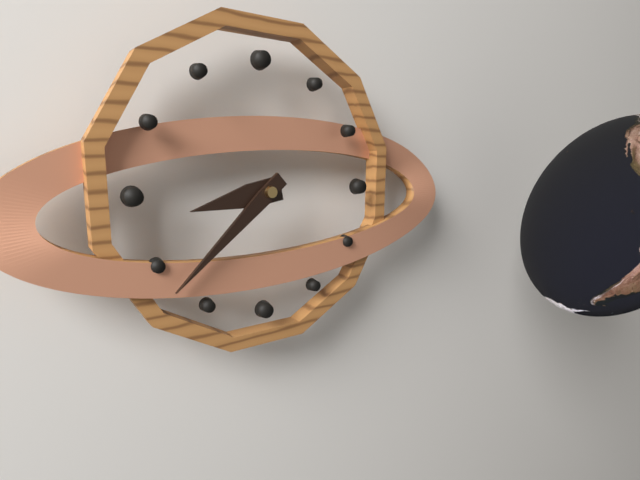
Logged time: 8 h 38 min
